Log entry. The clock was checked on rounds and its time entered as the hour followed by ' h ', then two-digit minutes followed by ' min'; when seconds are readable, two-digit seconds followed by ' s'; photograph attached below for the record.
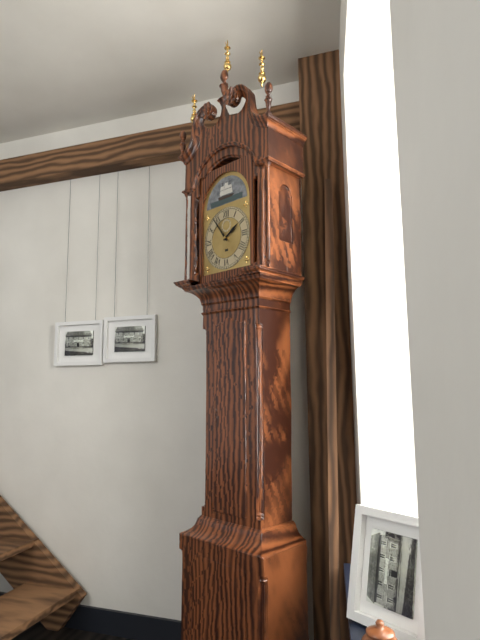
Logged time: 1 h 54 min
